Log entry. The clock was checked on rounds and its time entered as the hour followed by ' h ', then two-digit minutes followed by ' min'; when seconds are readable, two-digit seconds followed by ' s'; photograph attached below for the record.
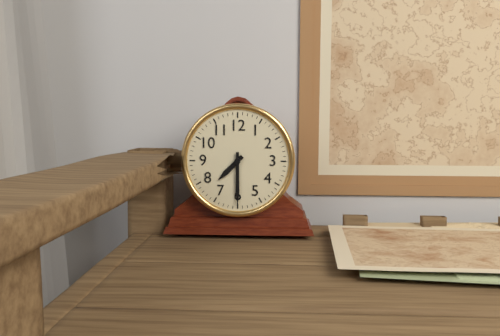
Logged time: 7 h 30 min
